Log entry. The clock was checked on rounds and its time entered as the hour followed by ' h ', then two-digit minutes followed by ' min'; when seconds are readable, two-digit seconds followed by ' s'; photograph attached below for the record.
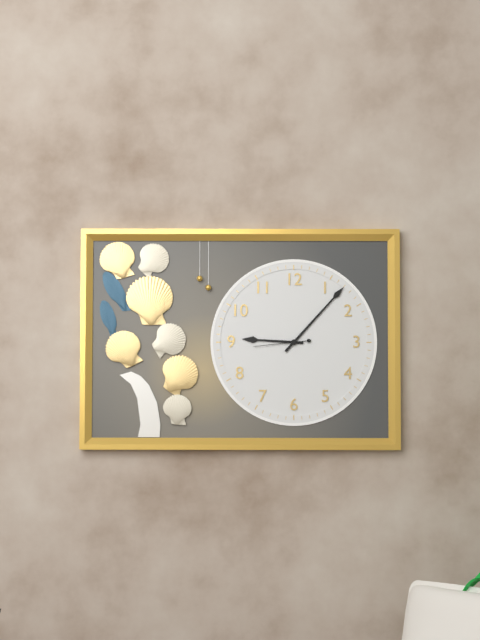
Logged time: 9 h 07 min 44 s
